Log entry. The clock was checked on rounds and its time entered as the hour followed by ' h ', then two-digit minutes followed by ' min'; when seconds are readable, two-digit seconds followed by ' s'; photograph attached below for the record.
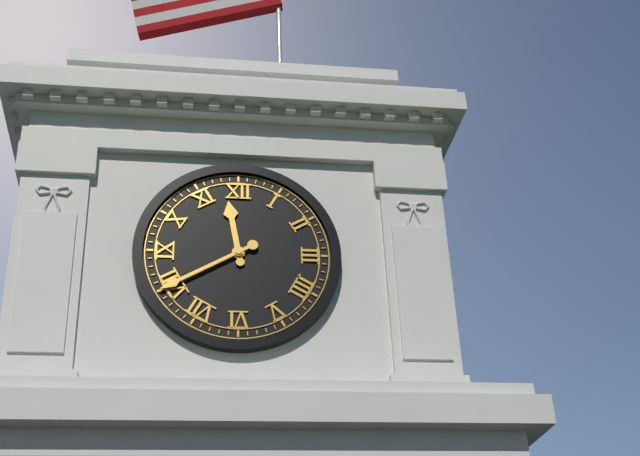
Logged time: 11 h 40 min
